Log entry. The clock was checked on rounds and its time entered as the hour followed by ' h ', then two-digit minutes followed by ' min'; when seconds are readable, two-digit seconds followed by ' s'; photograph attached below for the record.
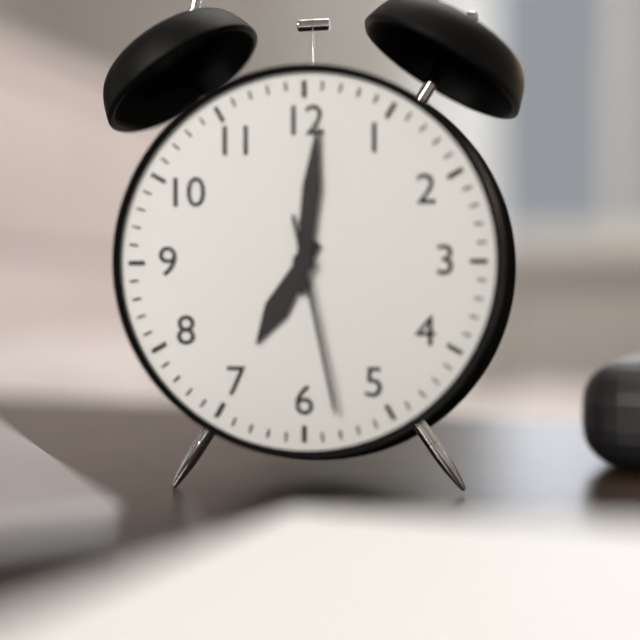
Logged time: 7 h 01 min 28 s
